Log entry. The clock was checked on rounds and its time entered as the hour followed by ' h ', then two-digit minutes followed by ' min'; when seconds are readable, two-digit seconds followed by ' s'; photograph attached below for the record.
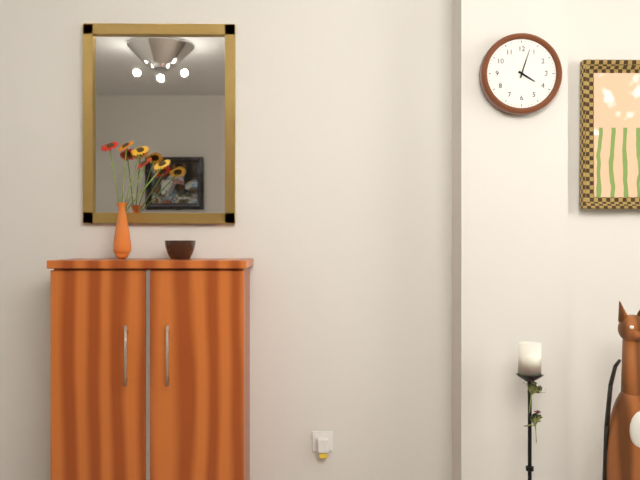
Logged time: 4 h 03 min
